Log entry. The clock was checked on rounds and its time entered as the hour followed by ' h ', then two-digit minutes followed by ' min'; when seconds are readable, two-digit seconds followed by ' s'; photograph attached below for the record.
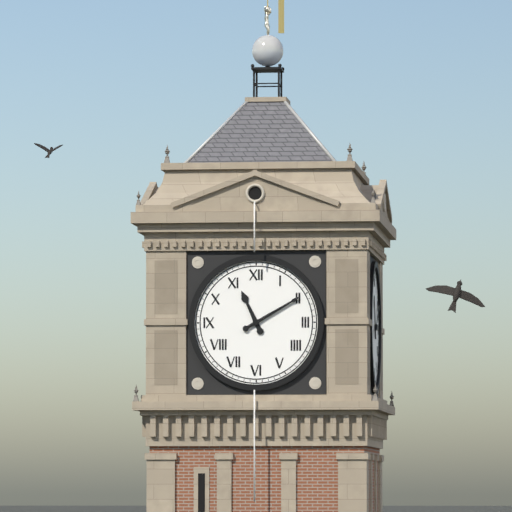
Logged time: 11 h 10 min
